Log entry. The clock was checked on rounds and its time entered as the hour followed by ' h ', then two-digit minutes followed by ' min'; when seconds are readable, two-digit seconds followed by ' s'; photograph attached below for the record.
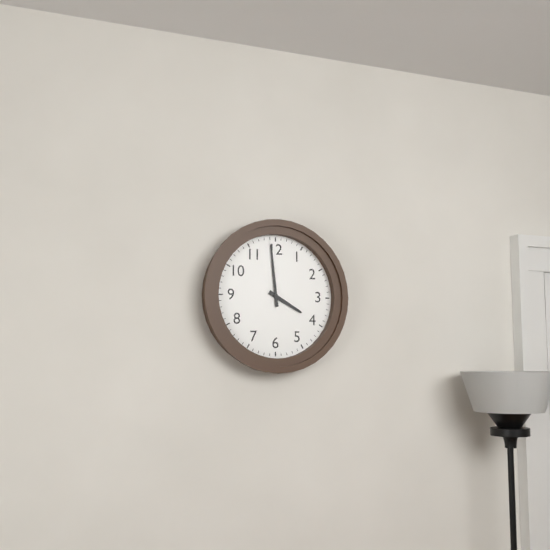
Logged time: 3 h 59 min
